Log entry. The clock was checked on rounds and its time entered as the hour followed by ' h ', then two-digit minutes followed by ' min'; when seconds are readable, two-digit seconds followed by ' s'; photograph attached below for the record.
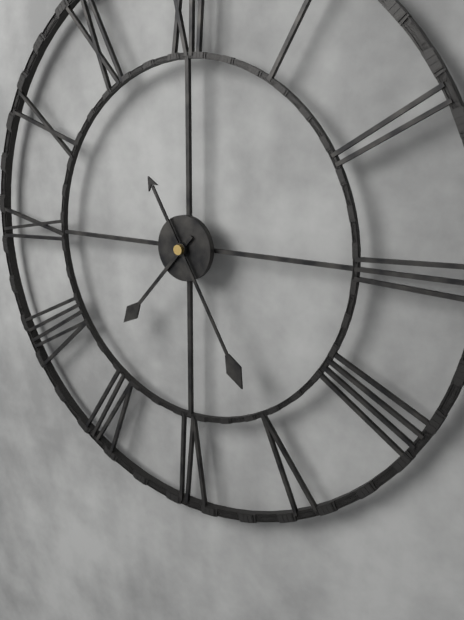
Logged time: 7 h 25 min
